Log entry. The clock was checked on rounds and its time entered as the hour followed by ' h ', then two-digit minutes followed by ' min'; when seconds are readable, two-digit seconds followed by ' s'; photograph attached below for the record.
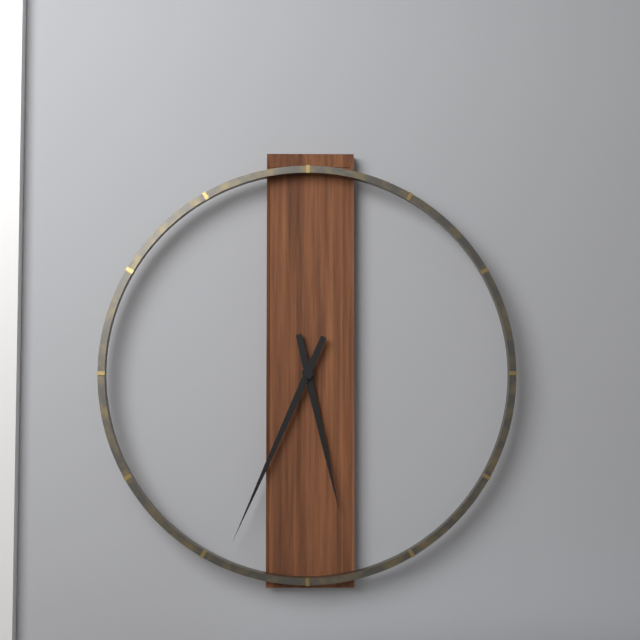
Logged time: 5 h 34 min
